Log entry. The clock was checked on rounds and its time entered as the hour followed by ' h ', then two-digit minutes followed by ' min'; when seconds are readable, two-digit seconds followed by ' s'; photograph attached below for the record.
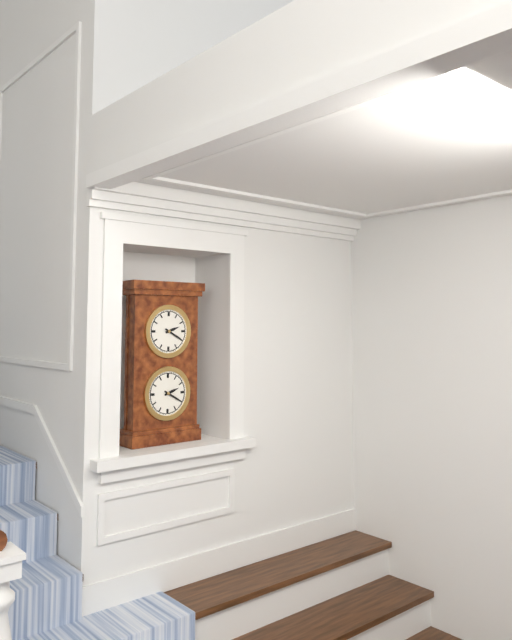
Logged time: 2 h 20 min
